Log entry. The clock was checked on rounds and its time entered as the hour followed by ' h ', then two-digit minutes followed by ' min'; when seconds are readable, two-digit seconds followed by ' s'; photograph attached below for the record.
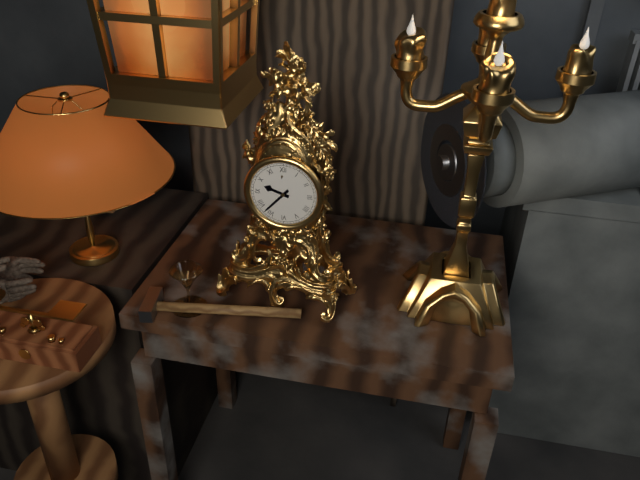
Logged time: 9 h 37 min
